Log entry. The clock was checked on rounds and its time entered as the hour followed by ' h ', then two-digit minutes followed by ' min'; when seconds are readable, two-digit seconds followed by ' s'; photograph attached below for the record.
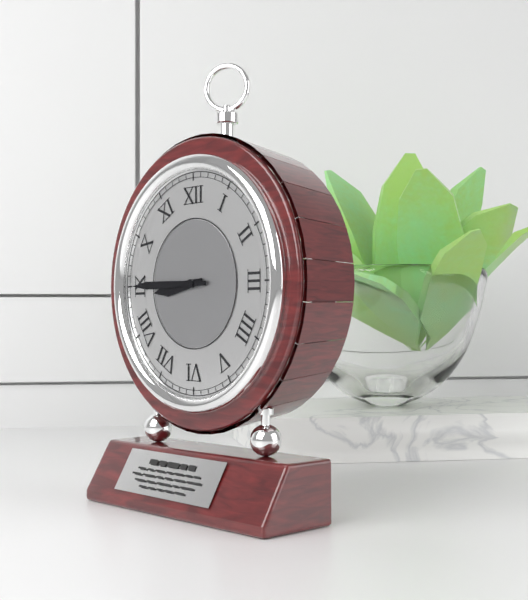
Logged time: 8 h 45 min
